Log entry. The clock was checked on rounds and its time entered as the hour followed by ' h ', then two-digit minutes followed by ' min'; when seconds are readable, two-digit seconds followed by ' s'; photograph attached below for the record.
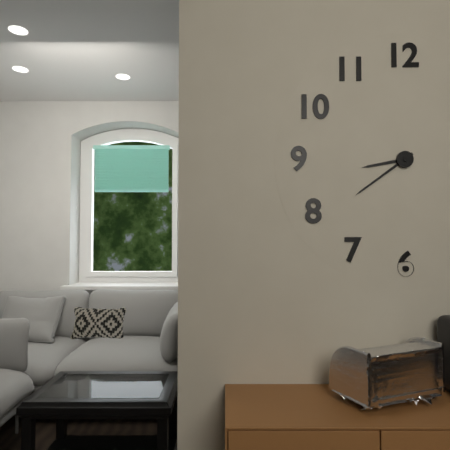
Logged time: 8 h 39 min
